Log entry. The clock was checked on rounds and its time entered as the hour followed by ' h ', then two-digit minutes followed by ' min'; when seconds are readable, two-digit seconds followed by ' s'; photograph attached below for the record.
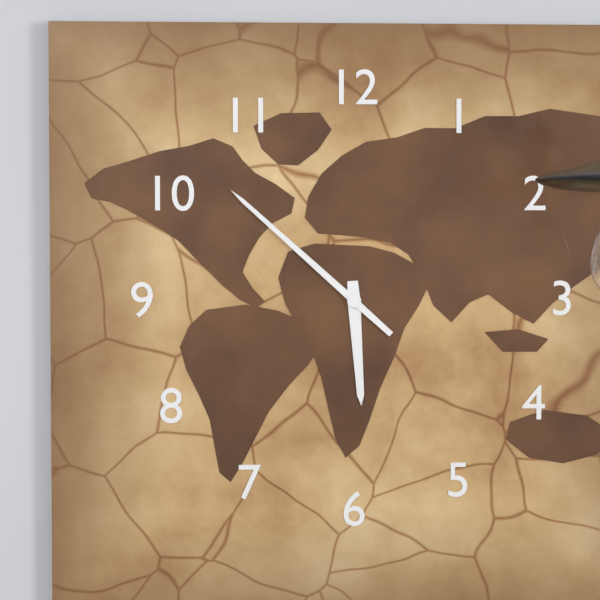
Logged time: 5 h 52 min
